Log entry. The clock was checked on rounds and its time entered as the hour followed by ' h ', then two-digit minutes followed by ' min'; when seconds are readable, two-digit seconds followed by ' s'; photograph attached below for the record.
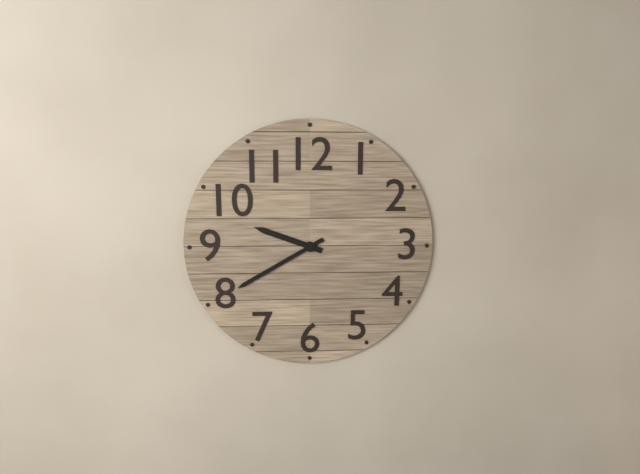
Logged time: 9 h 40 min
